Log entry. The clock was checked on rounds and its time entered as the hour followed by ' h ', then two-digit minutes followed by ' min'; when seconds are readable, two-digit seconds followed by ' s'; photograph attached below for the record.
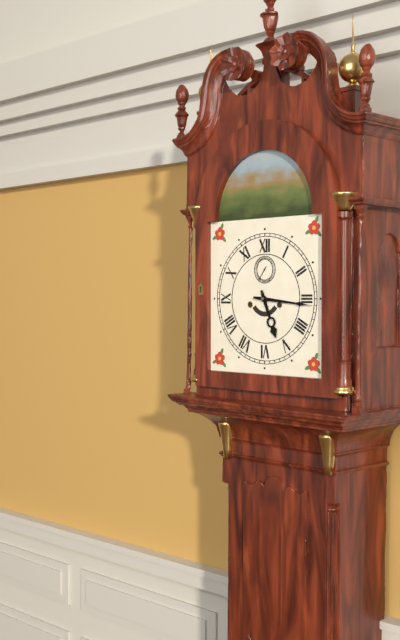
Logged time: 5 h 16 min
